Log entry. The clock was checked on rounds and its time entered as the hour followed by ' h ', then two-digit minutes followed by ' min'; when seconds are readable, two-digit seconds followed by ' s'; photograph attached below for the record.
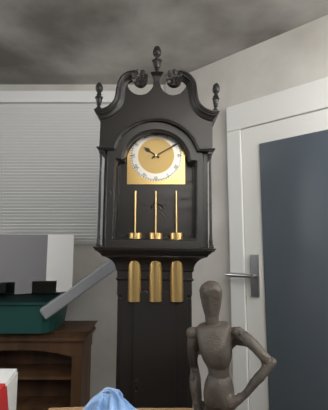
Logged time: 10 h 10 min
